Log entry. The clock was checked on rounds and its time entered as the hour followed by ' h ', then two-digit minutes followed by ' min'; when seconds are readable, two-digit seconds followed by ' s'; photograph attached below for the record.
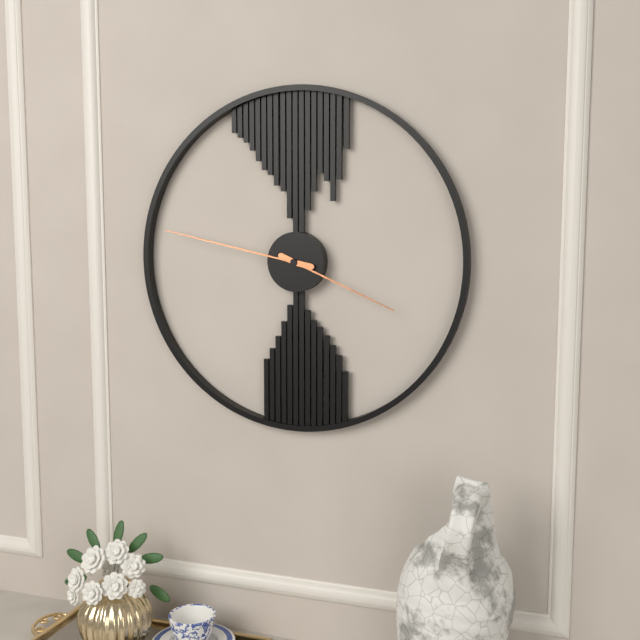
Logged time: 3 h 47 min
